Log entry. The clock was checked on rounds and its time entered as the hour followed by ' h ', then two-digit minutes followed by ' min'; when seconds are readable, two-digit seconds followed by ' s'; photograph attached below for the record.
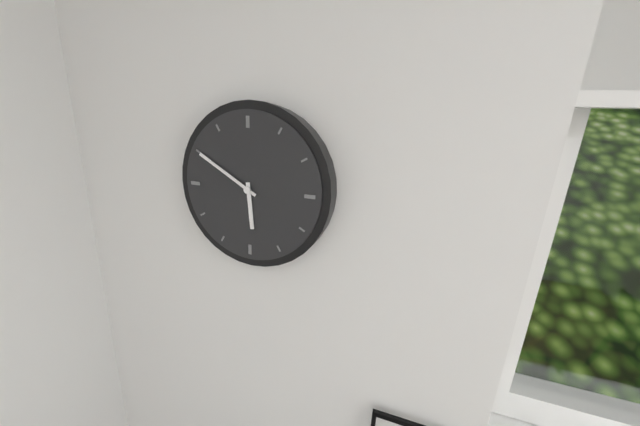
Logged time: 5 h 50 min
